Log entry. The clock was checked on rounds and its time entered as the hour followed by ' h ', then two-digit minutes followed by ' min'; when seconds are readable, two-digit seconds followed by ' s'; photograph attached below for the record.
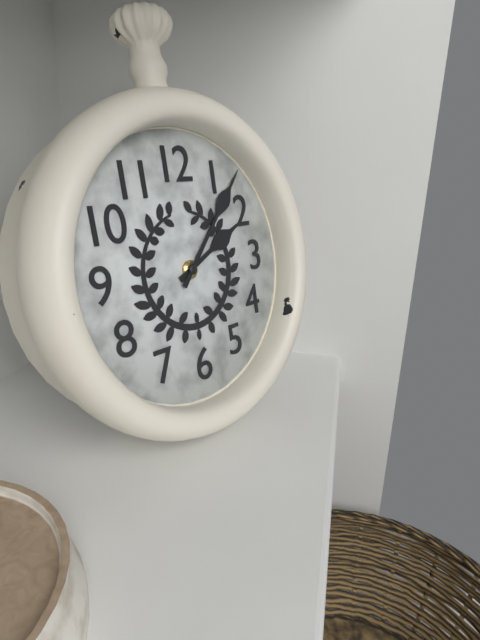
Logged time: 2 h 07 min
